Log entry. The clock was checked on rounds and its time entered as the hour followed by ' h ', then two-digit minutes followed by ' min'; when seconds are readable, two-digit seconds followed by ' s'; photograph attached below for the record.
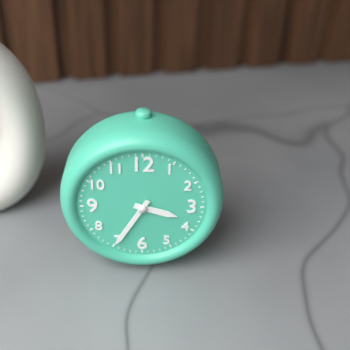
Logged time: 3 h 35 min
